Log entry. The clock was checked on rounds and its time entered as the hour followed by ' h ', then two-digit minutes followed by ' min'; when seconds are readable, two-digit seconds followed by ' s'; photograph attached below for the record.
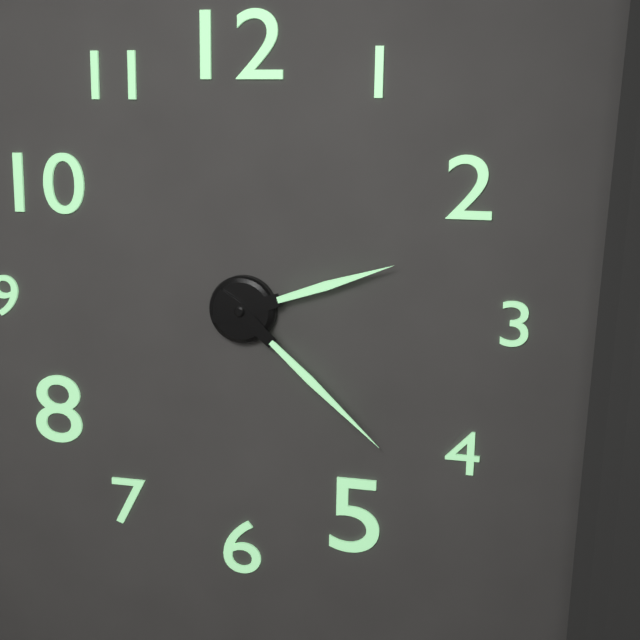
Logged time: 2 h 22 min
